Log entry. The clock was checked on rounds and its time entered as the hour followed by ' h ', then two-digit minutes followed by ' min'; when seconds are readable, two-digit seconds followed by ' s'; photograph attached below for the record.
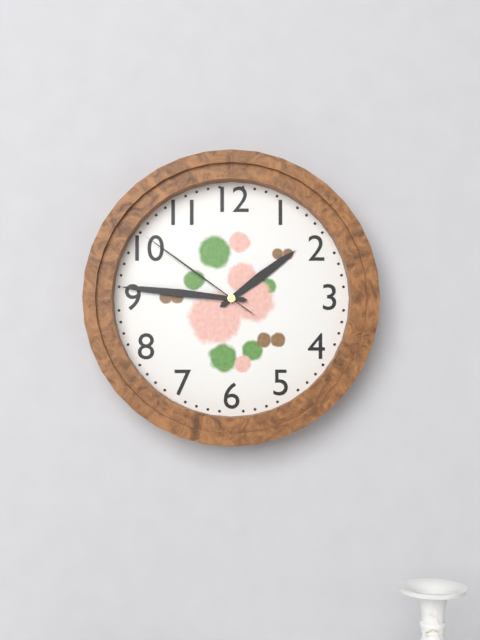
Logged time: 1 h 46 min 51 s
